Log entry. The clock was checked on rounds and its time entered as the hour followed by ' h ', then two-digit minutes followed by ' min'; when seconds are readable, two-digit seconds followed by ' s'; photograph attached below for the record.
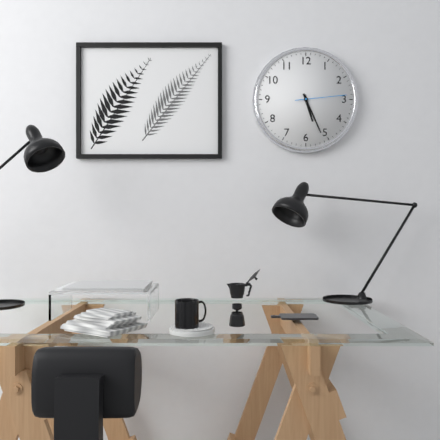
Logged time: 5 h 26 min 14 s
